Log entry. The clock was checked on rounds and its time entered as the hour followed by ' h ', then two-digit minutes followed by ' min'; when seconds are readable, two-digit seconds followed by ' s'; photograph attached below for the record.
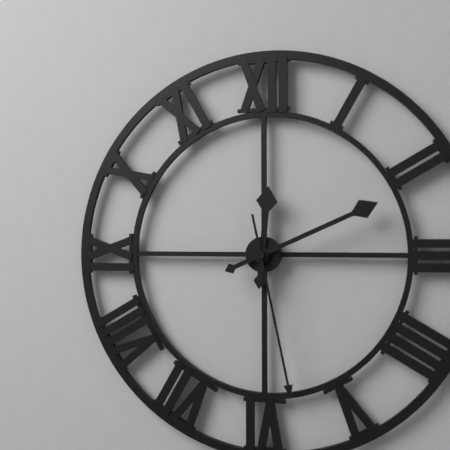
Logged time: 12 h 11 min 28 s
